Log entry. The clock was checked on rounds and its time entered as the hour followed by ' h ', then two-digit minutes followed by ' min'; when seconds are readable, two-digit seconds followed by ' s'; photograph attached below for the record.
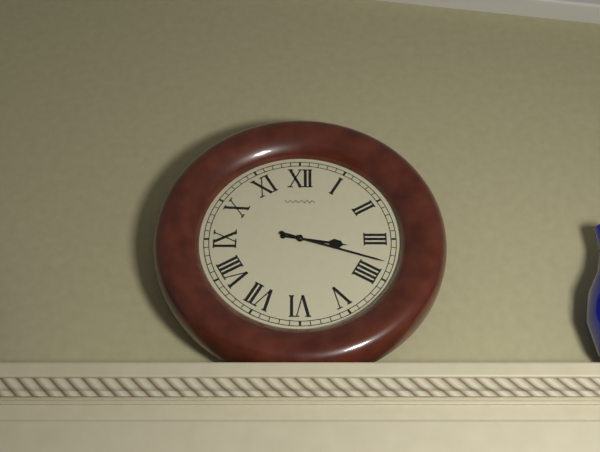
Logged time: 3 h 18 min
